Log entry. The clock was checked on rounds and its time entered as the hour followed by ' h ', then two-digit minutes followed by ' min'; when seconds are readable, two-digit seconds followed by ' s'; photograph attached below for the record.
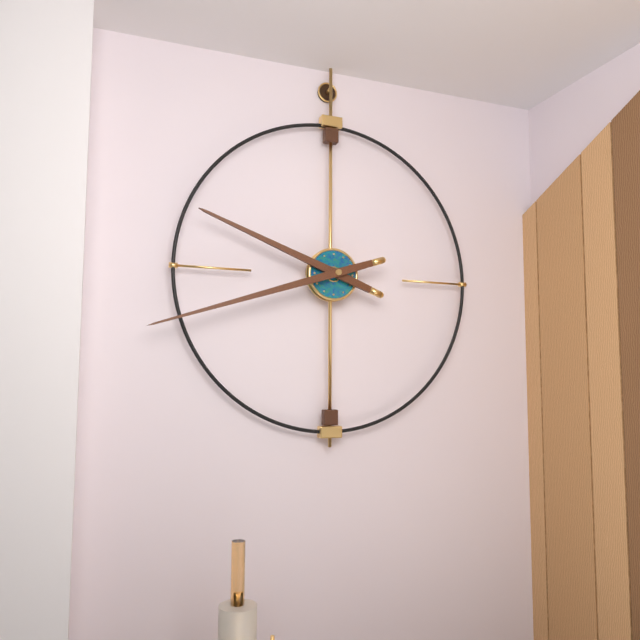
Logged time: 9 h 42 min
